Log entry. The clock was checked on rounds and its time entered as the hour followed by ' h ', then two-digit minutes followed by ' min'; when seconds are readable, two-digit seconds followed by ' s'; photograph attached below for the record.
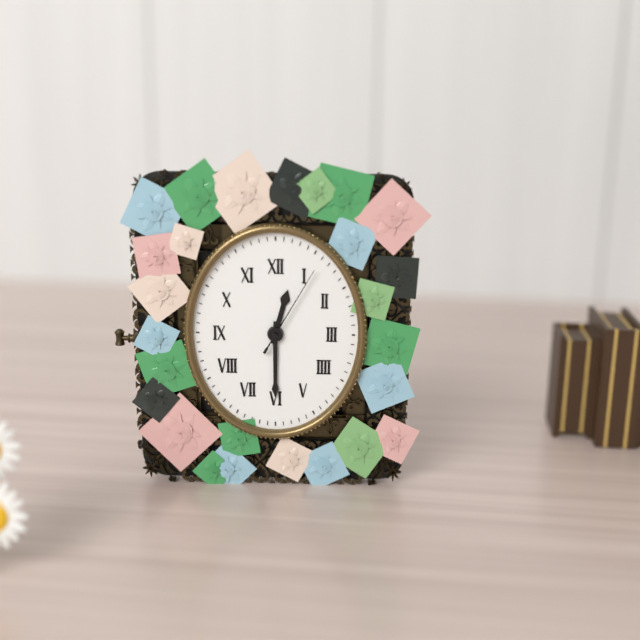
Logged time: 12 h 30 min 05 s
